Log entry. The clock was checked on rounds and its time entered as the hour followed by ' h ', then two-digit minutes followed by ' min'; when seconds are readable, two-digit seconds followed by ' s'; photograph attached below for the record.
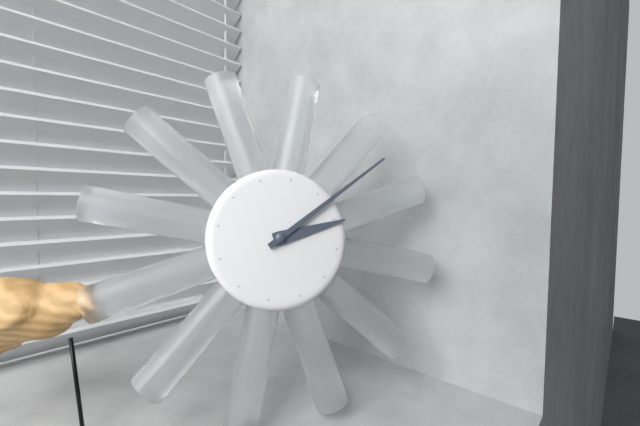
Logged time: 2 h 07 min
